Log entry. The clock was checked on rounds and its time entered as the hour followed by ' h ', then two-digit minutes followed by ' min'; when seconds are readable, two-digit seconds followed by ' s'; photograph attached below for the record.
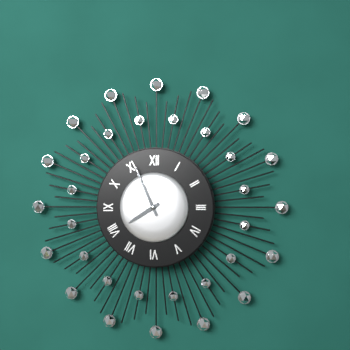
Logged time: 7 h 56 min
